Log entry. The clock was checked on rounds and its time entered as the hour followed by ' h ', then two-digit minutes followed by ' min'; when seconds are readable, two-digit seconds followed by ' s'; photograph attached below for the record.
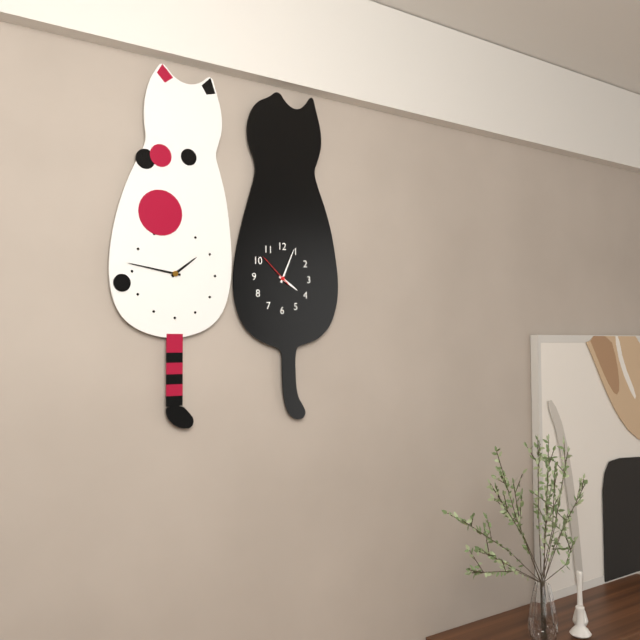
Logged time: 4 h 04 min
